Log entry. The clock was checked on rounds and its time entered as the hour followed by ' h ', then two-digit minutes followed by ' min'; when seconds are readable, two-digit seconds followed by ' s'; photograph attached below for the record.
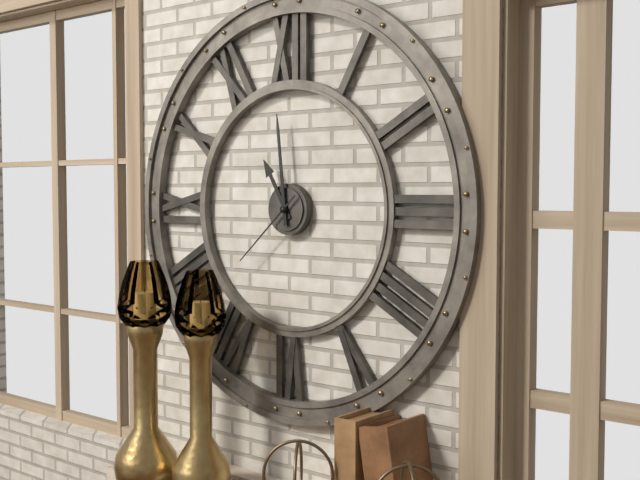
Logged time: 10 h 59 min 38 s
